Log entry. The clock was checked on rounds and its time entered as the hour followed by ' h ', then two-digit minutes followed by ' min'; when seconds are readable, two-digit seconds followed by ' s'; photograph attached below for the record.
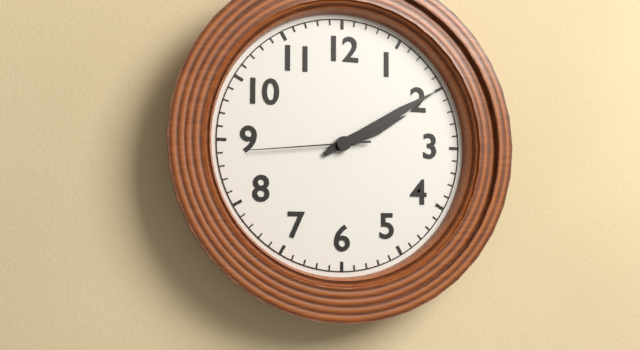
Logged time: 2 h 10 min 44 s
